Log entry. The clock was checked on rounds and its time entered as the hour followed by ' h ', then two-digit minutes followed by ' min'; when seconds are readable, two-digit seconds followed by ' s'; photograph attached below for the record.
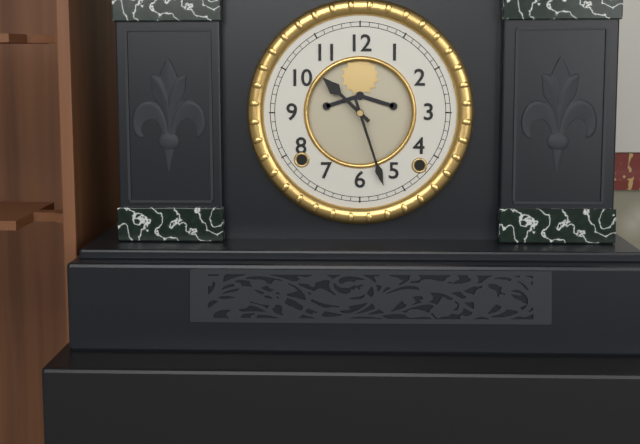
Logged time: 10 h 27 min
